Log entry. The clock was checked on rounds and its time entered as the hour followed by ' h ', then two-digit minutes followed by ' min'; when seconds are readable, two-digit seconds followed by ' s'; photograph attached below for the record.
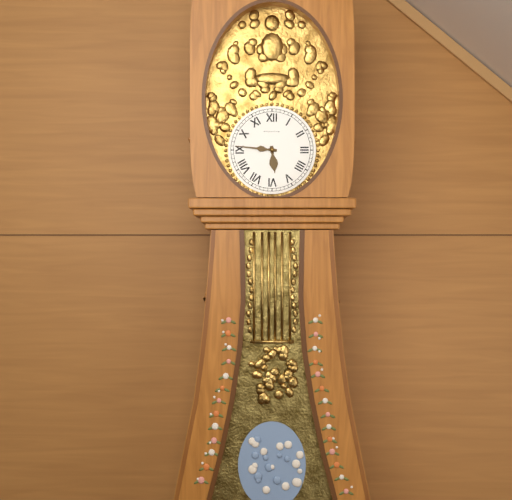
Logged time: 5 h 46 min
